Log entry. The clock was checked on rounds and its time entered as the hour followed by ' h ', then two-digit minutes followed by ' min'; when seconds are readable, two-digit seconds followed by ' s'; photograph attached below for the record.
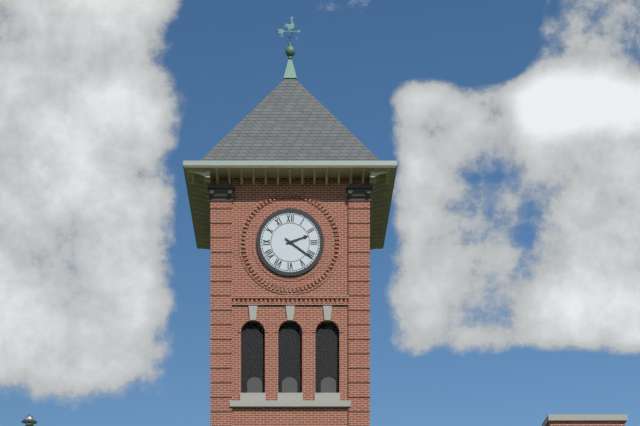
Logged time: 2 h 21 min
